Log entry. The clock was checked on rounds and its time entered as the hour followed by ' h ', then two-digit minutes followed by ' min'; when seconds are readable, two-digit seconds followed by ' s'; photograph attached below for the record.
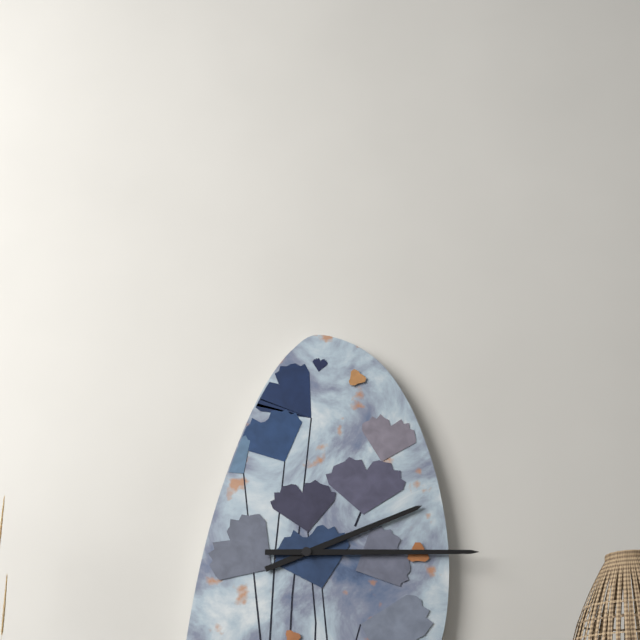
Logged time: 2 h 15 min
